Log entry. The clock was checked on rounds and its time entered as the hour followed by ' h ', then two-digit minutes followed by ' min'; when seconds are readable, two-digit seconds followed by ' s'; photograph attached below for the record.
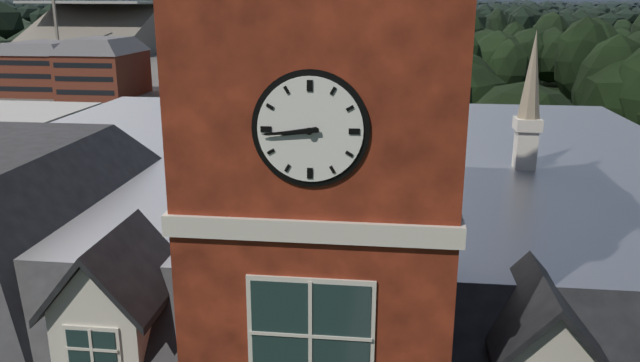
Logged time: 8 h 44 min
